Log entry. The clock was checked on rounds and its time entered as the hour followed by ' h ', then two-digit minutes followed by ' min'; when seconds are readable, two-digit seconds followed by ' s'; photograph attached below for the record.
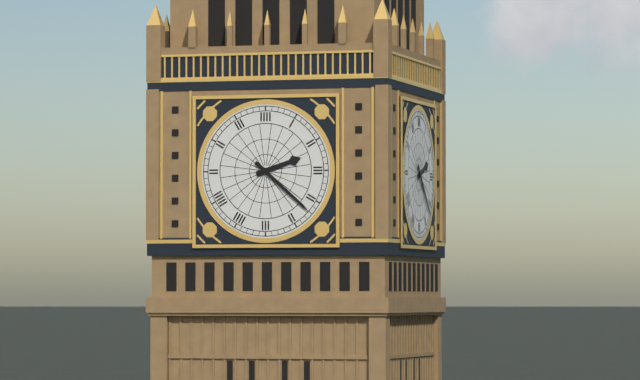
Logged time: 2 h 22 min
